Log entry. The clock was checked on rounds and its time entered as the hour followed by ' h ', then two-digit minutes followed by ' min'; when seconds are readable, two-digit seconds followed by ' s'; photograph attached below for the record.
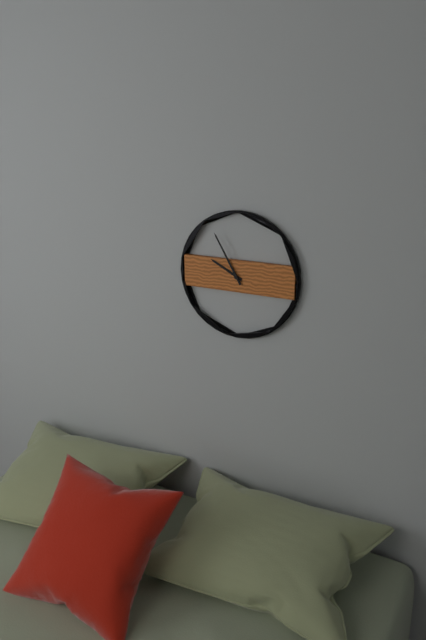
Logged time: 9 h 55 min
